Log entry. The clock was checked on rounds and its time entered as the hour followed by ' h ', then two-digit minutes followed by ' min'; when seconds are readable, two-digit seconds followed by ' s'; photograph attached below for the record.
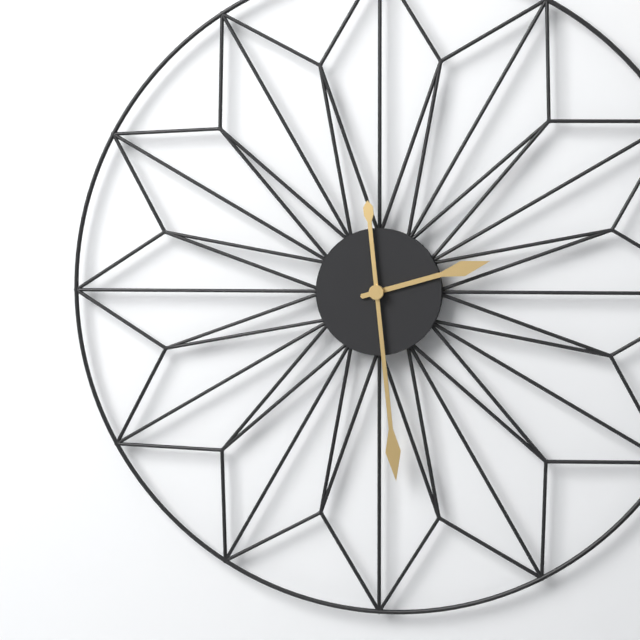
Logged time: 2 h 29 min
